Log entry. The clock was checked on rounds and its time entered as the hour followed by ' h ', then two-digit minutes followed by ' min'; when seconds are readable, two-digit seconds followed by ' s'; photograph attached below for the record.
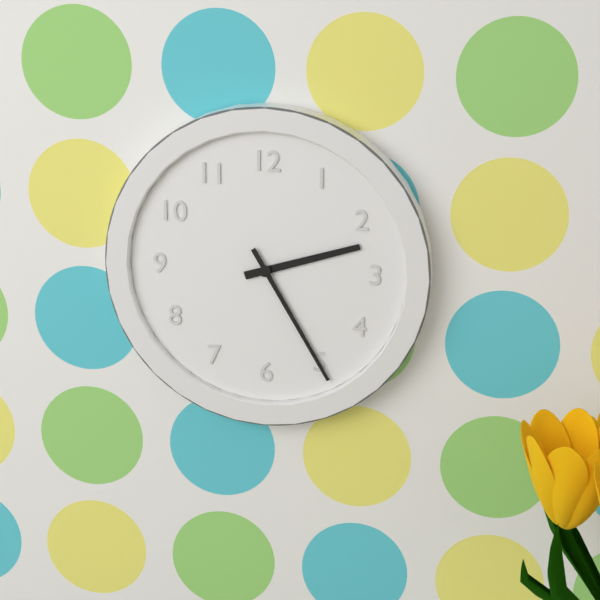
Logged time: 2 h 25 min
